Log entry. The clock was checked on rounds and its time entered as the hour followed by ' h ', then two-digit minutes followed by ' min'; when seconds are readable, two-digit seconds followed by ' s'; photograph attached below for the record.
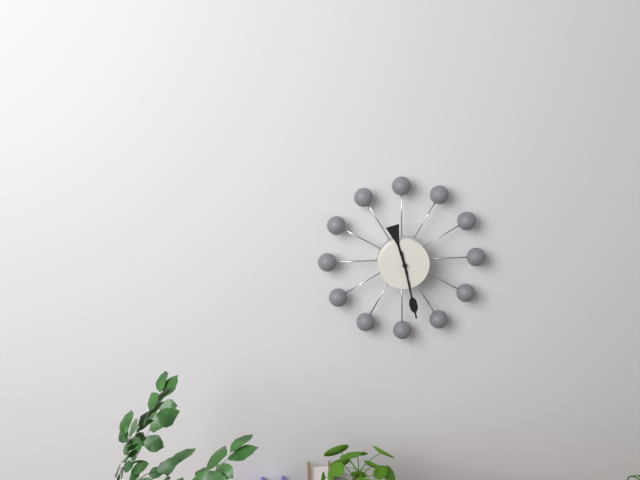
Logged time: 11 h 28 min
